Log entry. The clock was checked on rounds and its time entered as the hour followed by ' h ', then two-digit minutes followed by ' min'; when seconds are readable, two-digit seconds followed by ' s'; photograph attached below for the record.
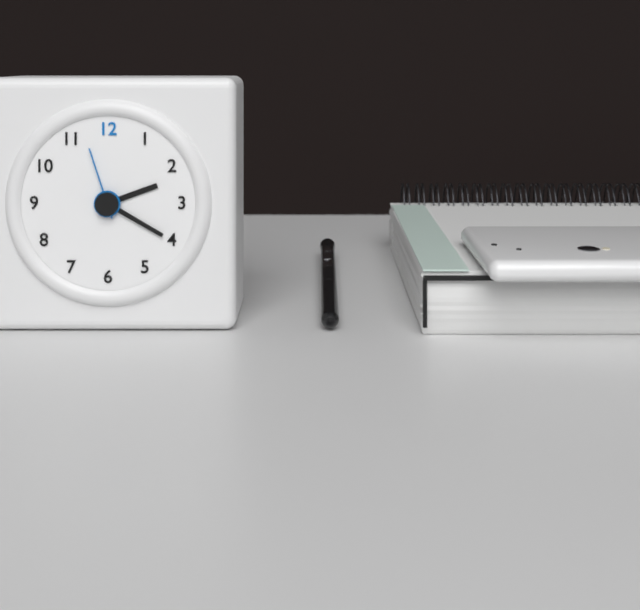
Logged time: 2 h 20 min 57 s
